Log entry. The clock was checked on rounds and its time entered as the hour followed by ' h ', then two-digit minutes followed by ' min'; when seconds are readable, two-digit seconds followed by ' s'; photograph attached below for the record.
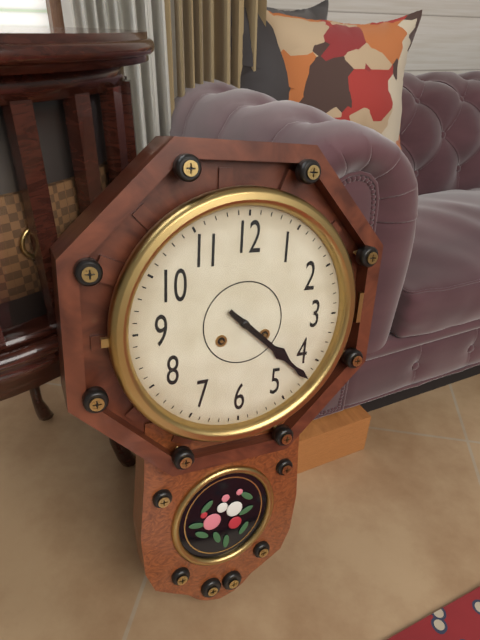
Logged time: 4 h 22 min
